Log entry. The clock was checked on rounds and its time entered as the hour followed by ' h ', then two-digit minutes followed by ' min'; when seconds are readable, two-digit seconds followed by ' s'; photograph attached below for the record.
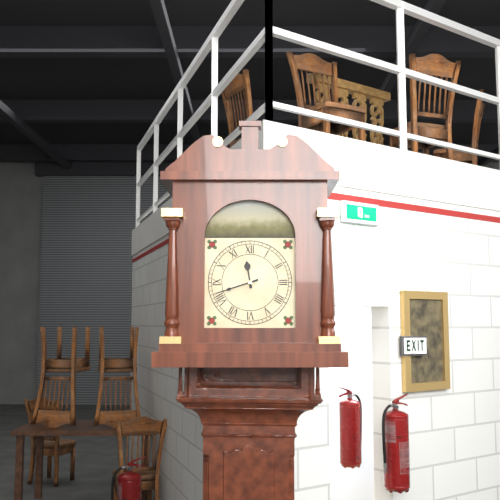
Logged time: 11 h 42 min
